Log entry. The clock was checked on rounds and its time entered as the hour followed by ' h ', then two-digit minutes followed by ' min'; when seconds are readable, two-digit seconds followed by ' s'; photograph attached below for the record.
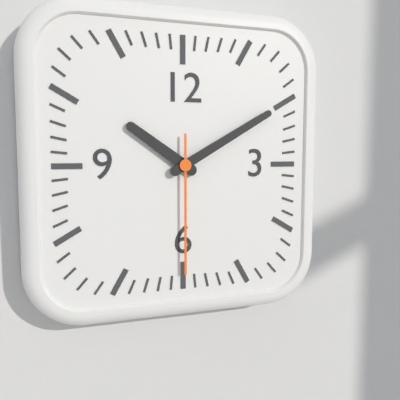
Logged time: 10 h 10 min 30 s
